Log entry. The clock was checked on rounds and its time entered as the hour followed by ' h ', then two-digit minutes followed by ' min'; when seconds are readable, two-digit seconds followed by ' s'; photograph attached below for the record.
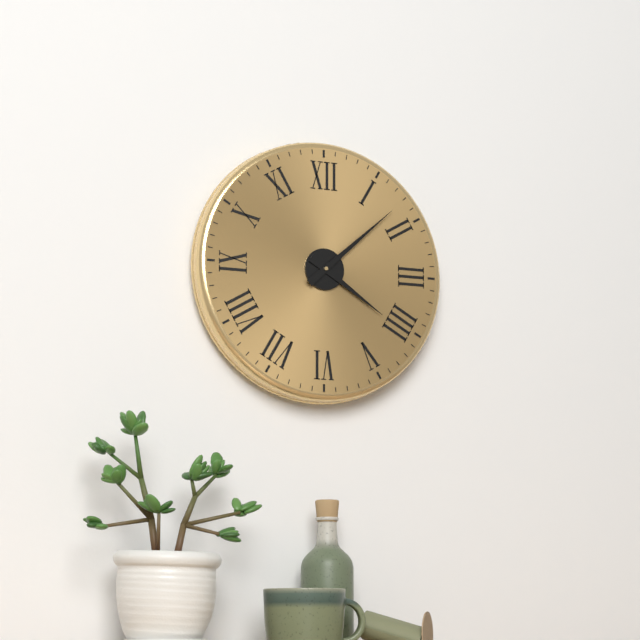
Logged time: 4 h 08 min
